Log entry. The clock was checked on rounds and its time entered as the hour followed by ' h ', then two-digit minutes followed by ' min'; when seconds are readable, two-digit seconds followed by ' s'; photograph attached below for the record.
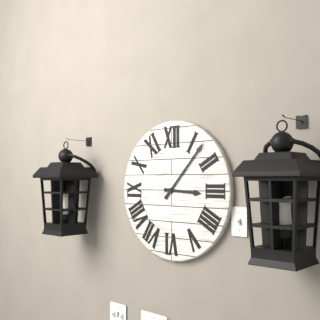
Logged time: 3 h 07 min
